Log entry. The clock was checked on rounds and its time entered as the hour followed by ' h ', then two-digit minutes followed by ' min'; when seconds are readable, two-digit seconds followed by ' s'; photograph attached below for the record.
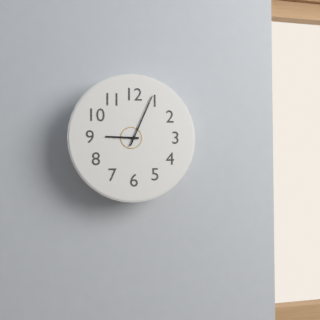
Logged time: 9 h 04 min
